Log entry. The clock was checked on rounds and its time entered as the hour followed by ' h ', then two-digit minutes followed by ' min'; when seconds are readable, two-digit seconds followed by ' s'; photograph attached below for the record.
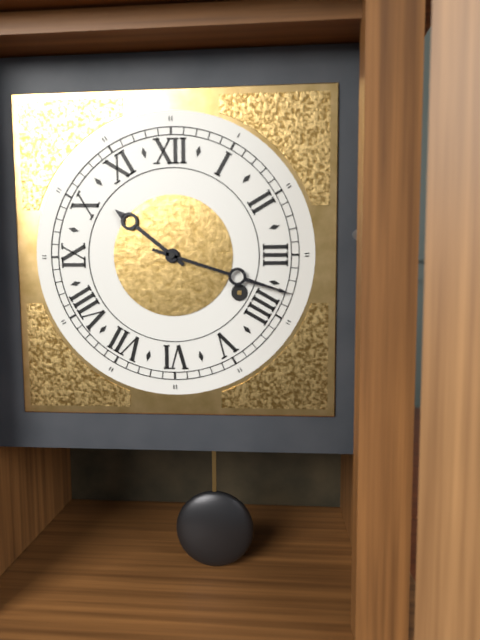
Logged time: 10 h 18 min
